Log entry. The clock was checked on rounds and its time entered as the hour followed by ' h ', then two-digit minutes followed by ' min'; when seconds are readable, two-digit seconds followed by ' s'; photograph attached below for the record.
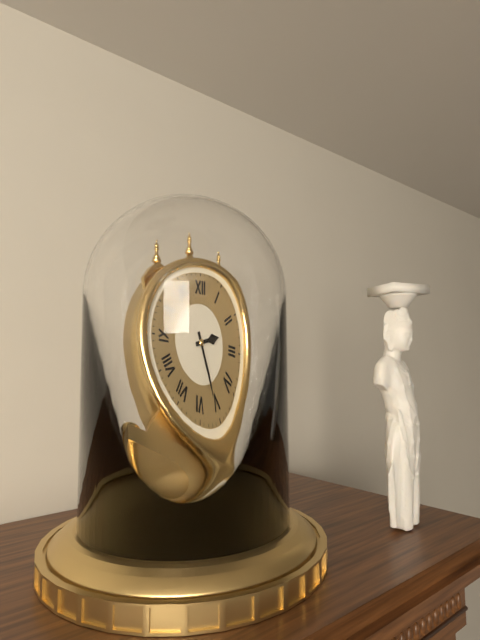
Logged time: 2 h 26 min
